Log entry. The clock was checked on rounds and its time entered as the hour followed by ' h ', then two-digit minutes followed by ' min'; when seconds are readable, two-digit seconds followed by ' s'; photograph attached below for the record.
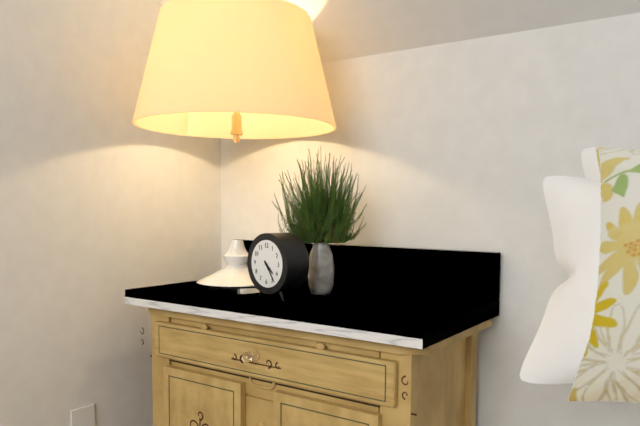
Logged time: 4 h 24 min
